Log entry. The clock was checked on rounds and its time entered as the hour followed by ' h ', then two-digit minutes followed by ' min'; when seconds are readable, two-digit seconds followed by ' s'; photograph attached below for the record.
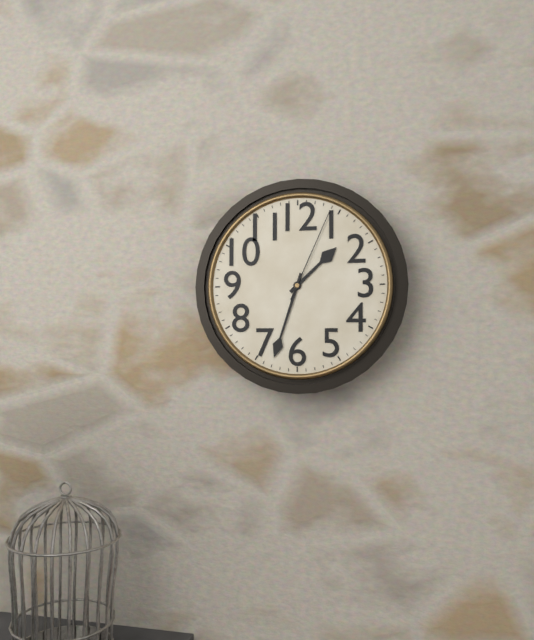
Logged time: 1 h 33 min 04 s
